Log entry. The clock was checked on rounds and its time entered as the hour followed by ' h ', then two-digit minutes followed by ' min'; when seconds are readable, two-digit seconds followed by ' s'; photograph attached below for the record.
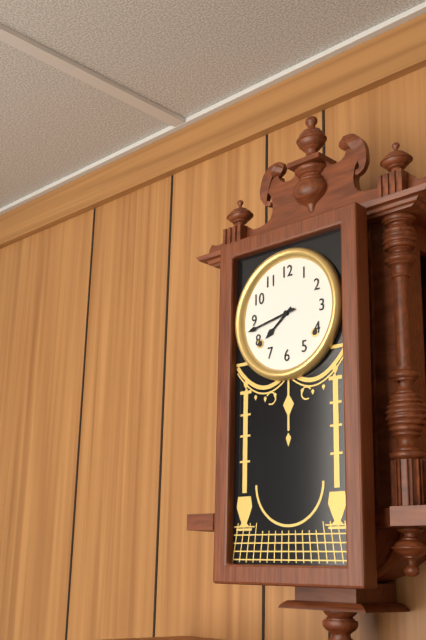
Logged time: 7 h 43 min
